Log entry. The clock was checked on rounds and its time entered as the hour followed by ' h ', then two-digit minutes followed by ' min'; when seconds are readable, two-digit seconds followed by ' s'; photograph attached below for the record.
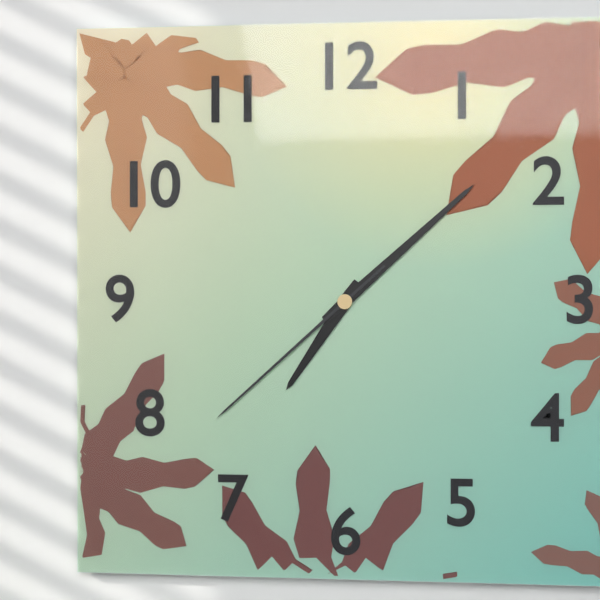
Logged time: 7 h 08 min 38 s
